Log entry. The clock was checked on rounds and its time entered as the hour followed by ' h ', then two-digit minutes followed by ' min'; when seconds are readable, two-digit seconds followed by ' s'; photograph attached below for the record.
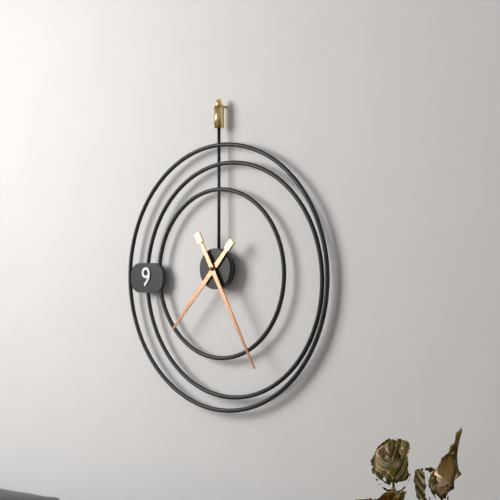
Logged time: 7 h 25 min
